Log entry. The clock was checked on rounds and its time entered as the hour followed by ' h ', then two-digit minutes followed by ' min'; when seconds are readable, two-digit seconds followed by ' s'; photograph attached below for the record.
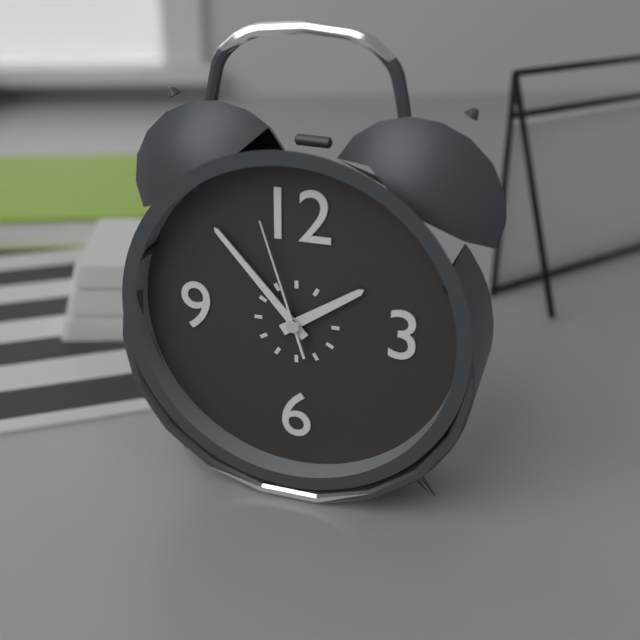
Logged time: 1 h 53 min 57 s
